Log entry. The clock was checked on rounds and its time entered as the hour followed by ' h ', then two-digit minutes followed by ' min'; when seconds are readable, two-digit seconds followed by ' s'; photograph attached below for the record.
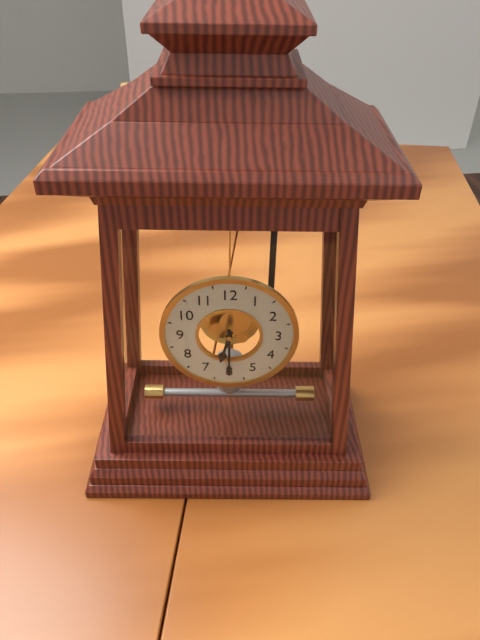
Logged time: 6 h 30 min
